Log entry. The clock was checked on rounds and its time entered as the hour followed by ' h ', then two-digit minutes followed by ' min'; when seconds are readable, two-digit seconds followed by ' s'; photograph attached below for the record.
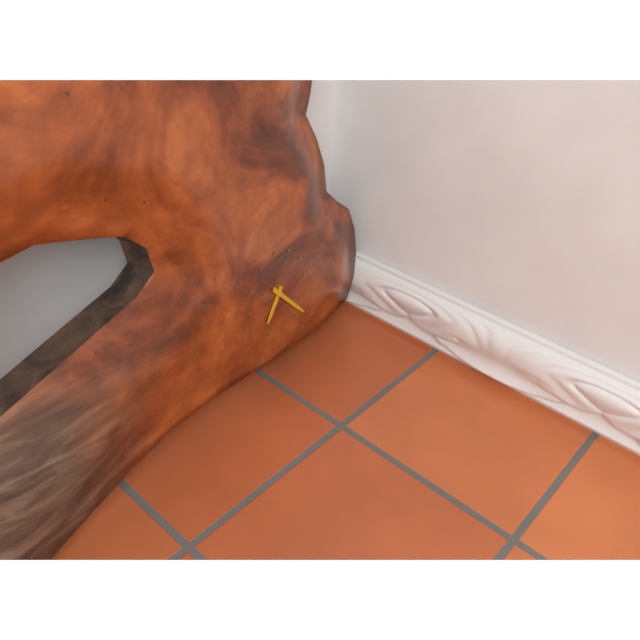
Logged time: 7 h 23 min
